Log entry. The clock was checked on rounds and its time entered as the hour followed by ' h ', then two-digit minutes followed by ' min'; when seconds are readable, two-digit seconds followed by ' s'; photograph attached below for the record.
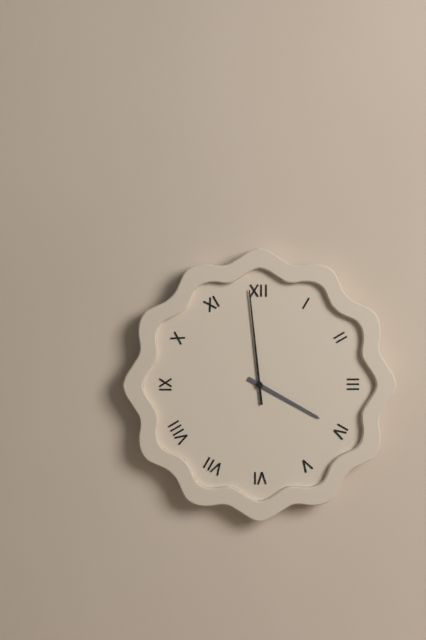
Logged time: 3 h 59 min
